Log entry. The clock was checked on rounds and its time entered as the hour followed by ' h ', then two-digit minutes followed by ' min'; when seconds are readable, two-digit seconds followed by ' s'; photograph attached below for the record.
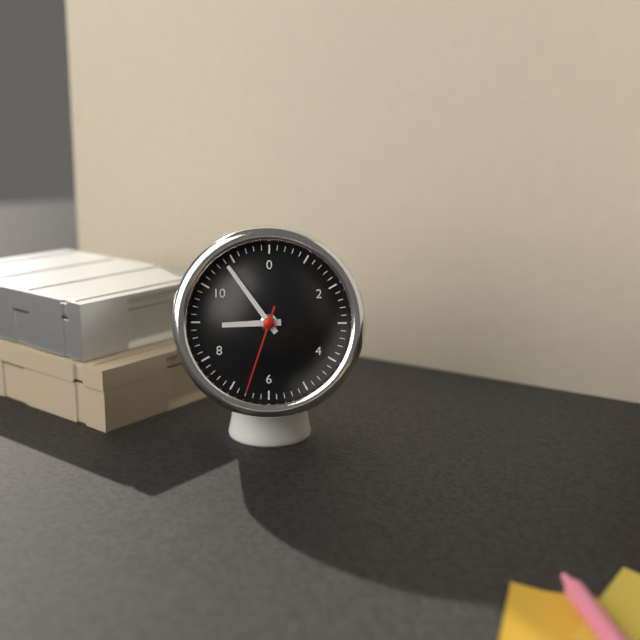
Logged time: 8 h 54 min 33 s
